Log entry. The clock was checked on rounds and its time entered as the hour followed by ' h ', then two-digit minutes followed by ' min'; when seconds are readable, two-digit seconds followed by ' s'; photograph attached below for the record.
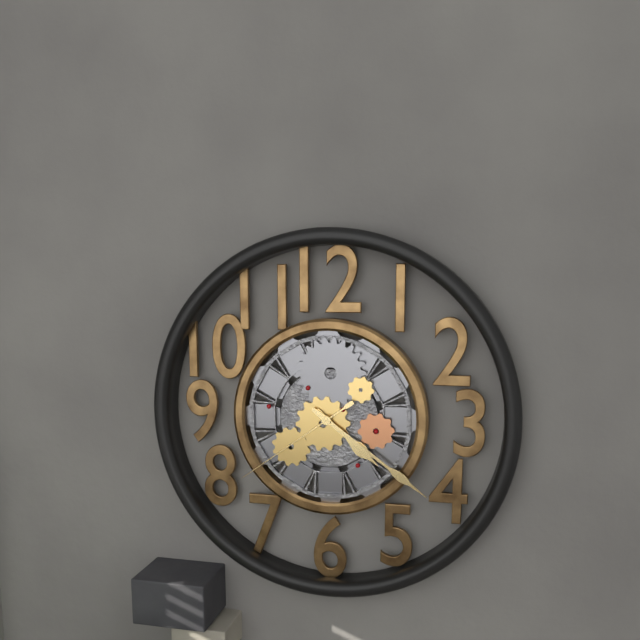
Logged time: 4 h 21 min 39 s
